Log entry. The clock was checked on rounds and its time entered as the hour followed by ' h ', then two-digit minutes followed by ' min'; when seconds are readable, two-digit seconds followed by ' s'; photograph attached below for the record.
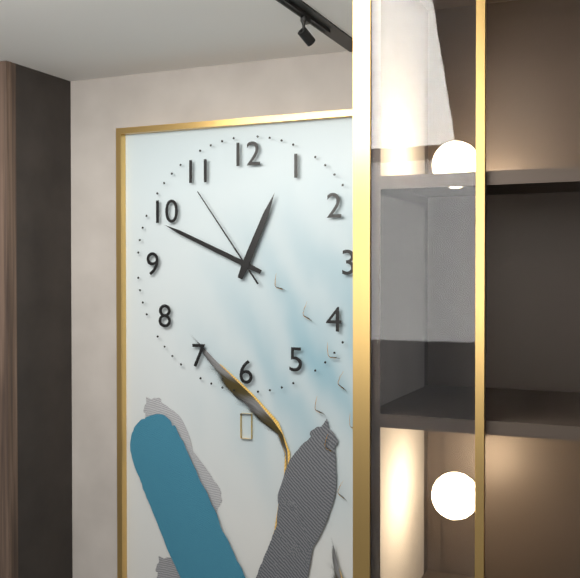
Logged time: 12 h 49 min 54 s
